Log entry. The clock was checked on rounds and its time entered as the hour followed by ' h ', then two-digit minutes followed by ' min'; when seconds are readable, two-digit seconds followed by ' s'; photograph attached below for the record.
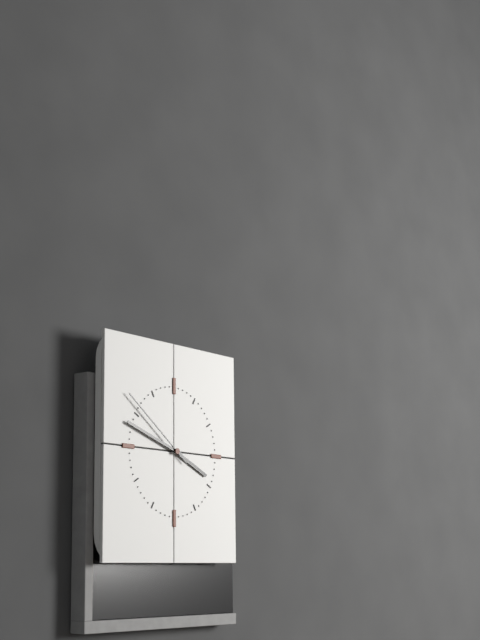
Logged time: 3 h 48 min 51 s
